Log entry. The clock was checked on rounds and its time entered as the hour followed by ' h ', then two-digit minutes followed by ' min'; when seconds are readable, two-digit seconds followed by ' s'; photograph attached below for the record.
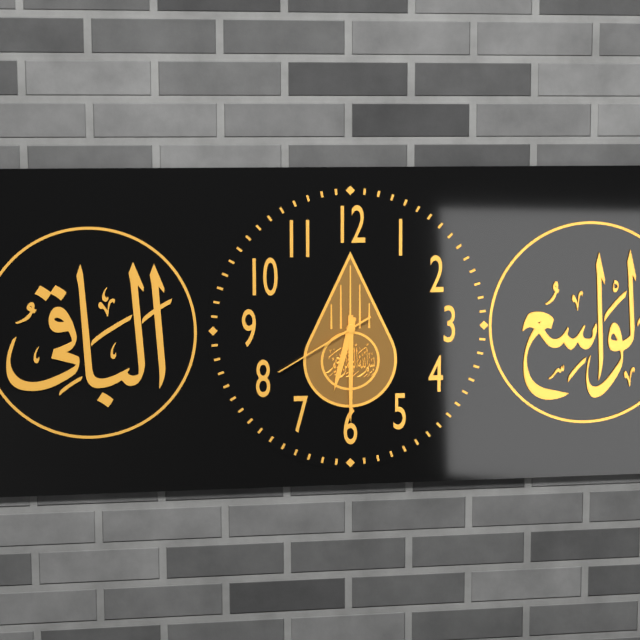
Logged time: 6 h 30 min 40 s
